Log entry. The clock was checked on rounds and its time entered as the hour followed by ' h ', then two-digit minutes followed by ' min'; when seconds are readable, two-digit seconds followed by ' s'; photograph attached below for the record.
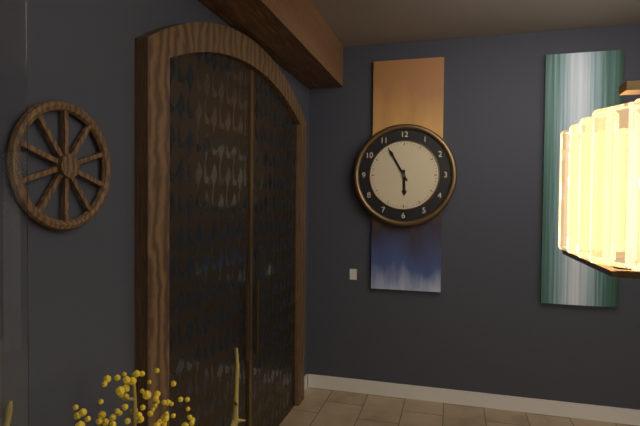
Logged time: 5 h 55 min
